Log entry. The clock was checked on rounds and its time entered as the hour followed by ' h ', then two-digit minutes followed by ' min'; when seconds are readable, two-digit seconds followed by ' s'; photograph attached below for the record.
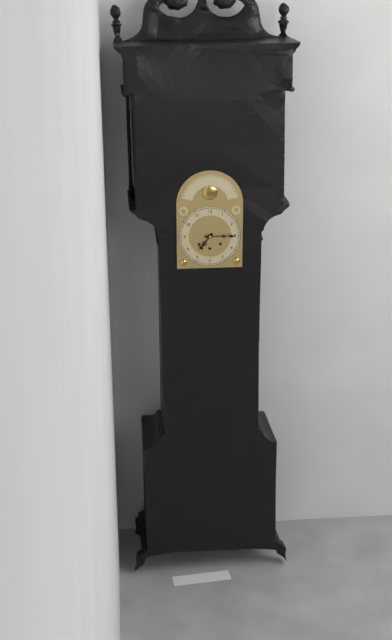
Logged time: 7 h 15 min
